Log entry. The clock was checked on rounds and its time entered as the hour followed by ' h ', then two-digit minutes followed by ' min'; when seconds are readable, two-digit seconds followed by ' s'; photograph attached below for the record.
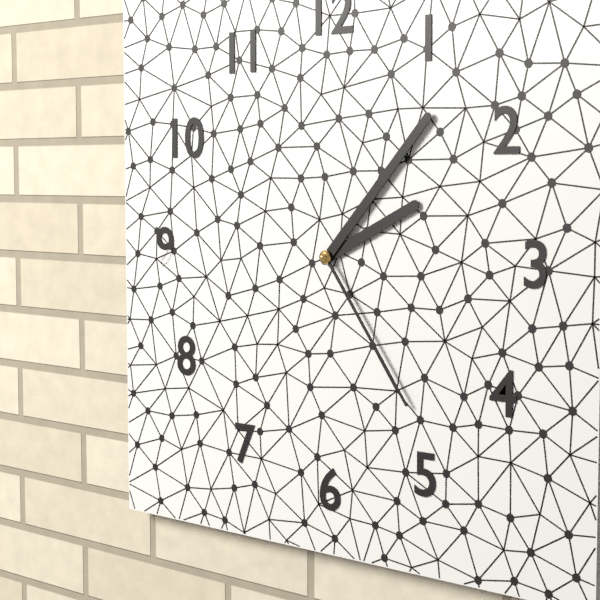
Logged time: 2 h 07 min 24 s
